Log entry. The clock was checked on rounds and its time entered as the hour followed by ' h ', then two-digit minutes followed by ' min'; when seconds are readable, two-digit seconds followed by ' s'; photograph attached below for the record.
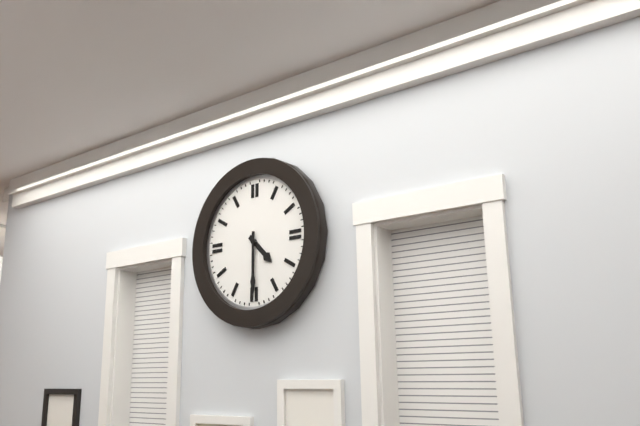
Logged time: 4 h 30 min
